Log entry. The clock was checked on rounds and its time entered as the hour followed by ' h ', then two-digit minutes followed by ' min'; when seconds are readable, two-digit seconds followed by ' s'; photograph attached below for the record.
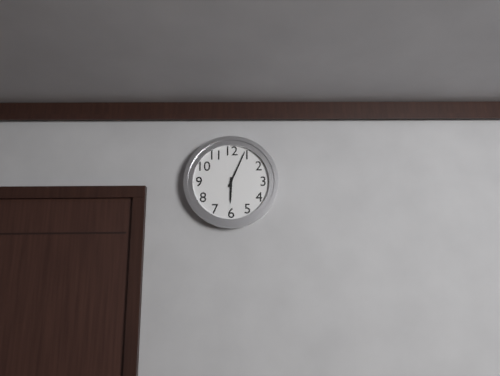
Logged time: 6 h 04 min
